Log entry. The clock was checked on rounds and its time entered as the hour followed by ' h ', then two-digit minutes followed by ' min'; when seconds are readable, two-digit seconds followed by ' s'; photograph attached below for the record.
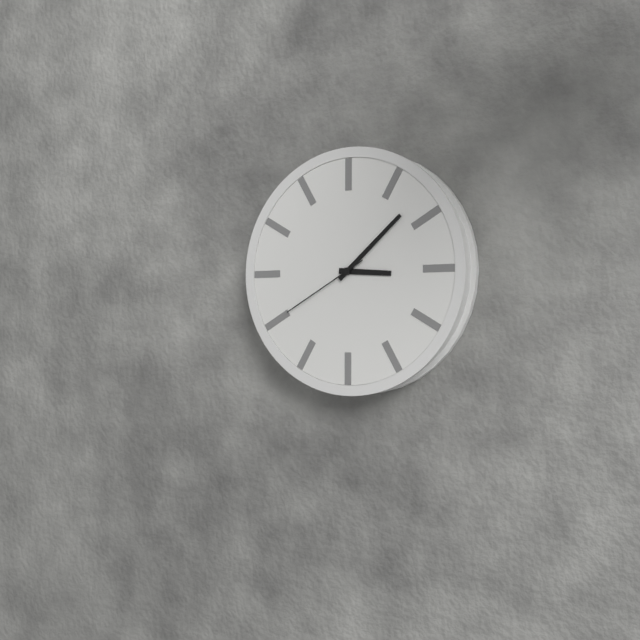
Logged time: 3 h 08 min 40 s
